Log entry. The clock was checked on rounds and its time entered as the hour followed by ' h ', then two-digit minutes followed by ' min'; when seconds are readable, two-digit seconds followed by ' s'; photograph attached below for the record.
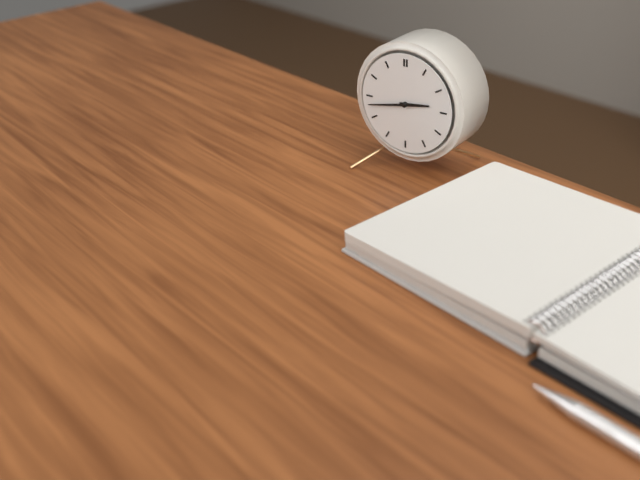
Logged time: 2 h 43 min
